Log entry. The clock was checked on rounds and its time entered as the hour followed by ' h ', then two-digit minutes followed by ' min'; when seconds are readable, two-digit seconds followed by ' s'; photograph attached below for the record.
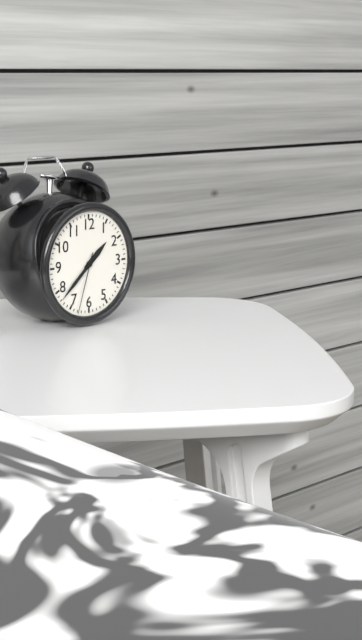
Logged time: 1 h 38 min 33 s
